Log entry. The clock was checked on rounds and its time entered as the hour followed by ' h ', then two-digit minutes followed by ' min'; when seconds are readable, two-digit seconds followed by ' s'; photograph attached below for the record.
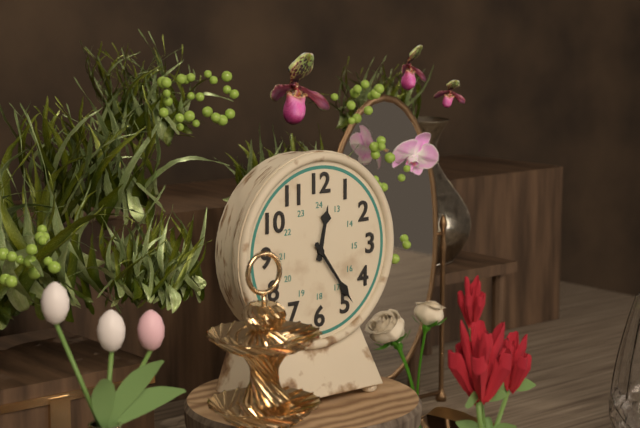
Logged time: 12 h 24 min
